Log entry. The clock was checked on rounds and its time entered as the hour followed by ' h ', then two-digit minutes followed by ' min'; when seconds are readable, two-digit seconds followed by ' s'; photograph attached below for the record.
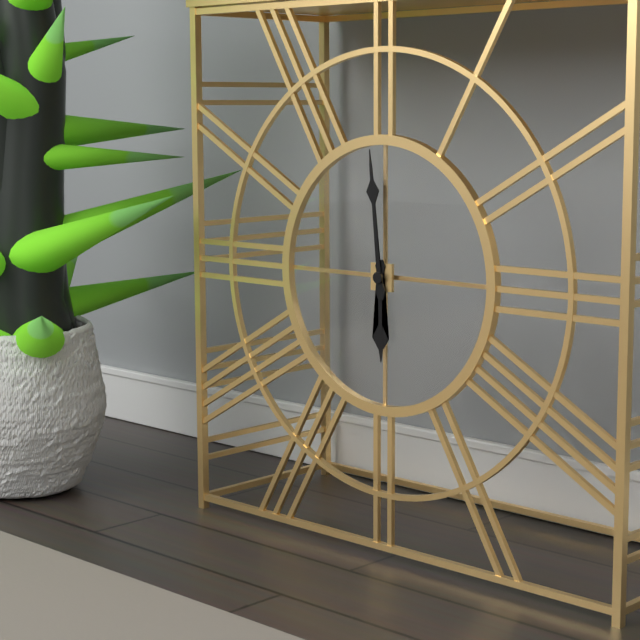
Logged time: 5 h 59 min
